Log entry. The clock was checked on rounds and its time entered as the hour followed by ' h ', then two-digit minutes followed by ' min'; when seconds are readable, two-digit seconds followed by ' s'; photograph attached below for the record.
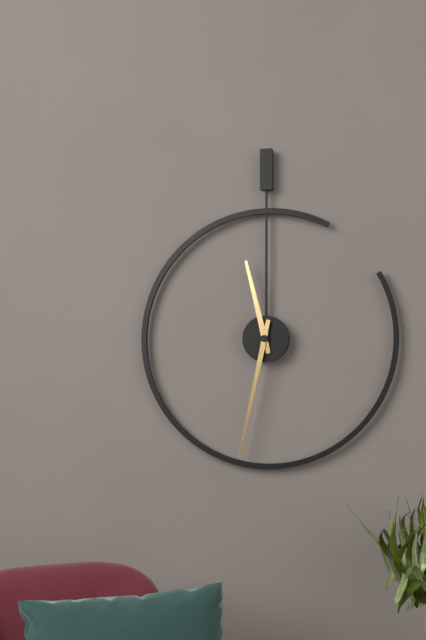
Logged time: 11 h 32 min
